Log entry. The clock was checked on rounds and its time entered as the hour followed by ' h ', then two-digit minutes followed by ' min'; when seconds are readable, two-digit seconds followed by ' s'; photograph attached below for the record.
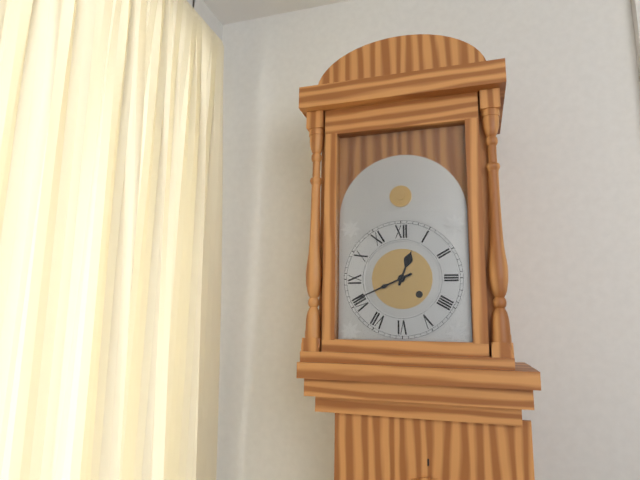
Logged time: 12 h 41 min
